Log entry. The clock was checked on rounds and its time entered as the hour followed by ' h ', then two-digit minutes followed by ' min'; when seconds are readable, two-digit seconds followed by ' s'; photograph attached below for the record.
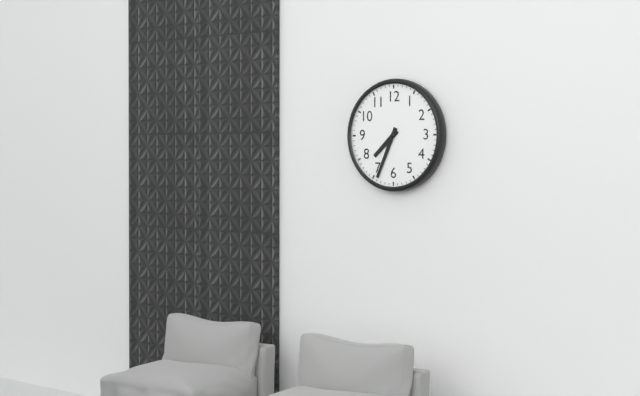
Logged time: 7 h 34 min
